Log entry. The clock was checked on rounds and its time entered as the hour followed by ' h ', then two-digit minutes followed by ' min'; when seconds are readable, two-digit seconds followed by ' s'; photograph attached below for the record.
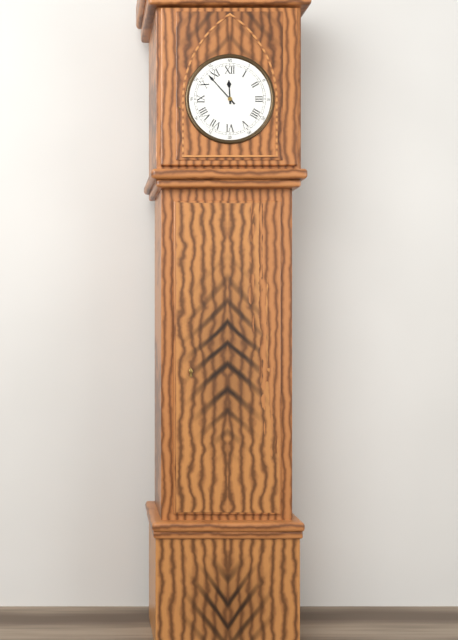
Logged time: 11 h 53 min
